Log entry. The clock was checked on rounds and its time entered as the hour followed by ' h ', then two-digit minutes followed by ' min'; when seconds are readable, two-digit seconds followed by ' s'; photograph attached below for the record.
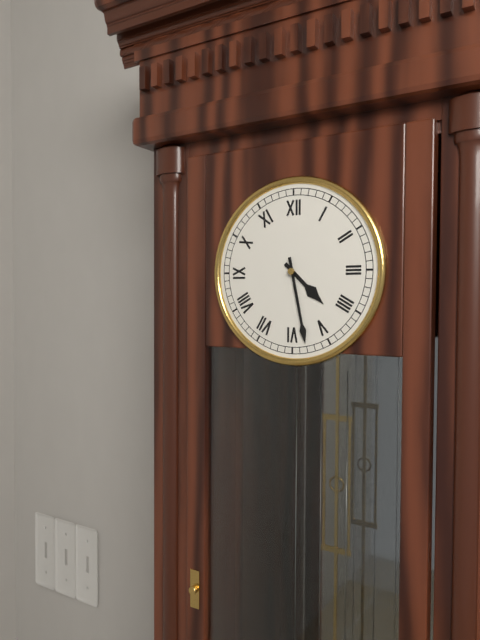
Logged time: 4 h 28 min
